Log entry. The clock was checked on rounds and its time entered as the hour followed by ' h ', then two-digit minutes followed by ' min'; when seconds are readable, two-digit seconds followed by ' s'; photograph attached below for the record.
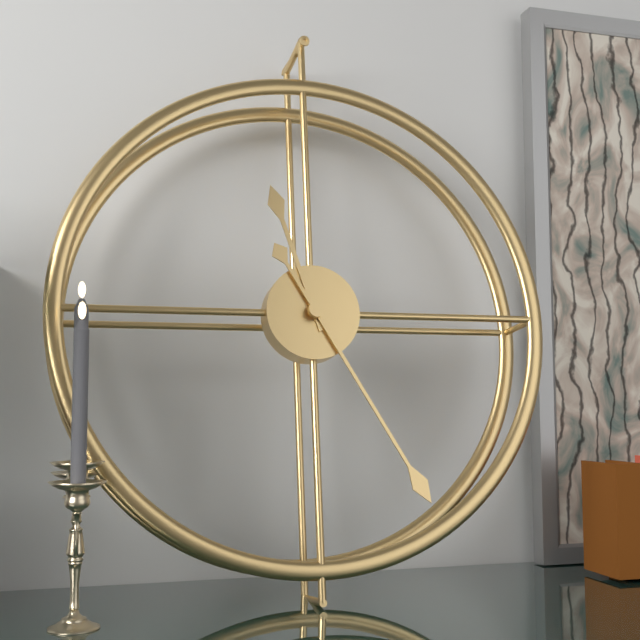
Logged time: 11 h 25 min
